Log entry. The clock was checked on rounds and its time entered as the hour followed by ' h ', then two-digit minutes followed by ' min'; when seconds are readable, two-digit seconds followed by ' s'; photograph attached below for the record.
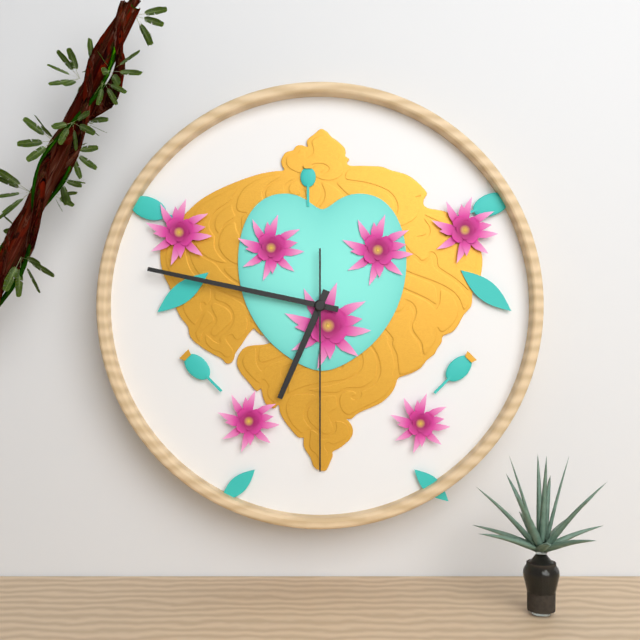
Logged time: 6 h 47 min 30 s
